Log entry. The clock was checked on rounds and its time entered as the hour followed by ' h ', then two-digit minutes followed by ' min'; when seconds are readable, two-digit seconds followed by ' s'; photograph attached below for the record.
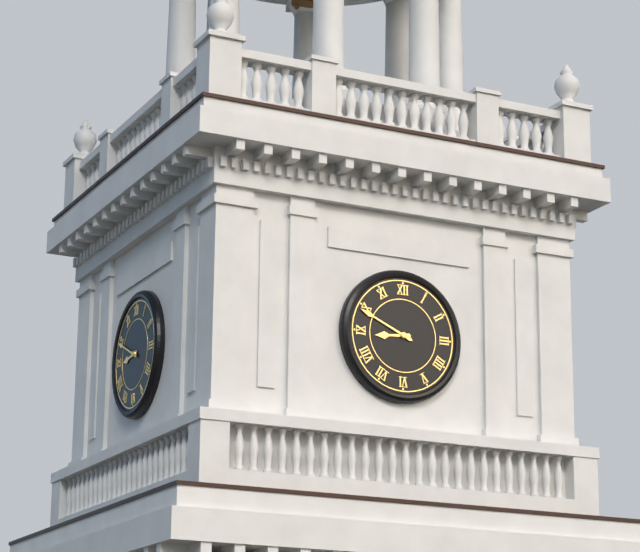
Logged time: 8 h 49 min
